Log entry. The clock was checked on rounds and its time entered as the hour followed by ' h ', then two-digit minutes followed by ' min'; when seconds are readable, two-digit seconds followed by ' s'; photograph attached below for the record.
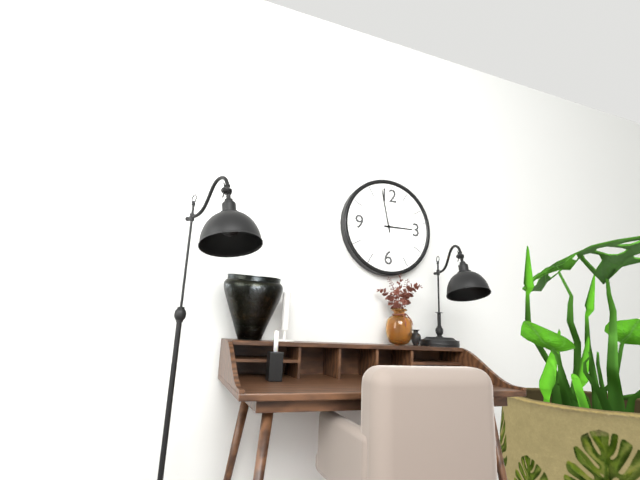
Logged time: 2 h 58 min
